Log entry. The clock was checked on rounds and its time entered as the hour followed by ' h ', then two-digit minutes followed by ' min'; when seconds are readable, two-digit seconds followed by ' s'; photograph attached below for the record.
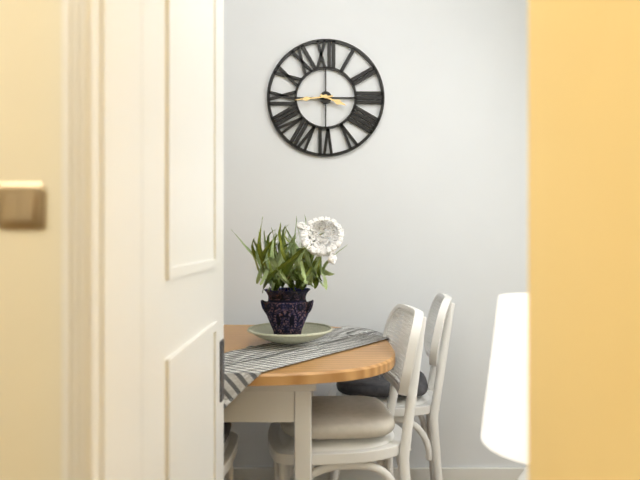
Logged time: 3 h 44 min
